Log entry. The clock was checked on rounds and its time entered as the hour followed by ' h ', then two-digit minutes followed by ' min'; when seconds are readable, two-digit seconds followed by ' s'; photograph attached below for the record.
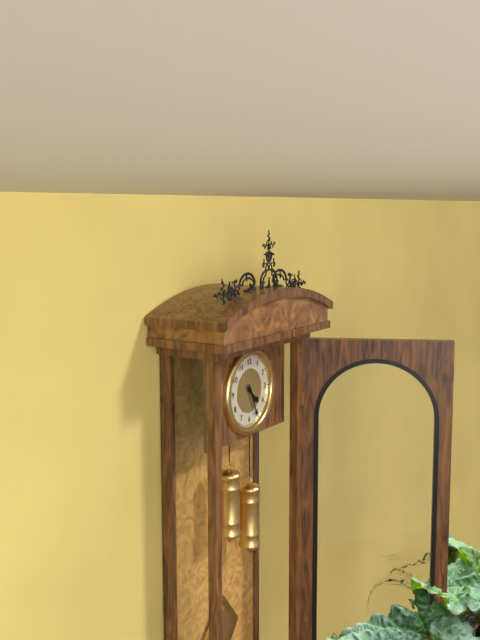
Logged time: 4 h 26 min
